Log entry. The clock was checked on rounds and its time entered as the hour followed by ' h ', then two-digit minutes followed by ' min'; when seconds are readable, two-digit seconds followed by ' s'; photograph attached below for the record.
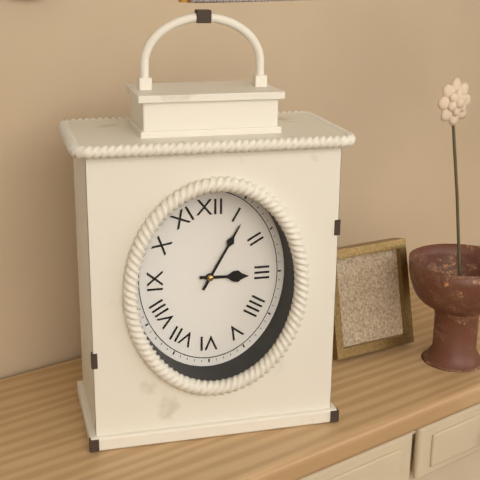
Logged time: 3 h 05 min
